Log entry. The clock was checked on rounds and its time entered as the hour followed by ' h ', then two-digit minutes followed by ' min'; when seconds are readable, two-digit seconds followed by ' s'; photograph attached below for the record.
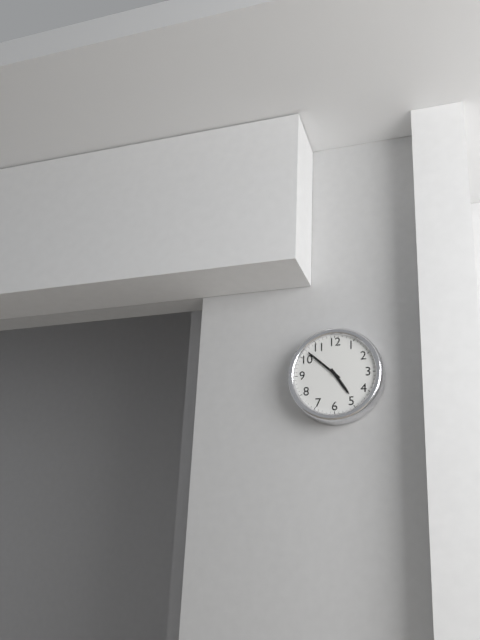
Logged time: 4 h 52 min
